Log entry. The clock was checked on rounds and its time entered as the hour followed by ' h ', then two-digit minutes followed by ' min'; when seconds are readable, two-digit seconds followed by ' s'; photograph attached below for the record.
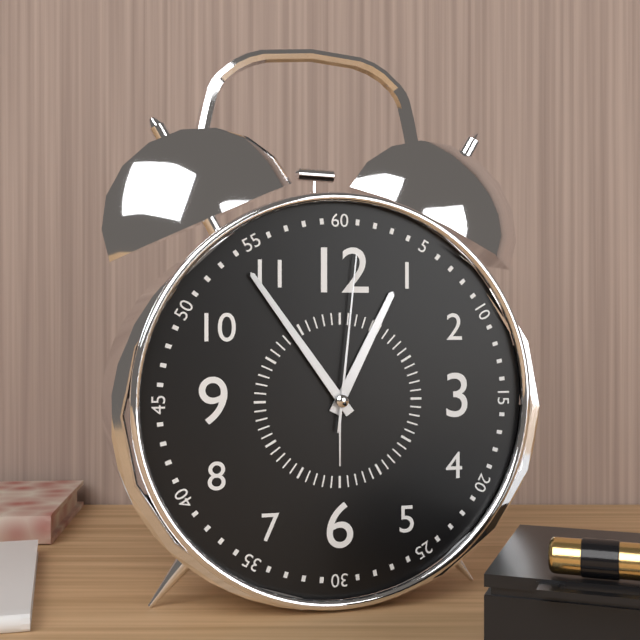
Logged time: 12 h 54 min 01 s
